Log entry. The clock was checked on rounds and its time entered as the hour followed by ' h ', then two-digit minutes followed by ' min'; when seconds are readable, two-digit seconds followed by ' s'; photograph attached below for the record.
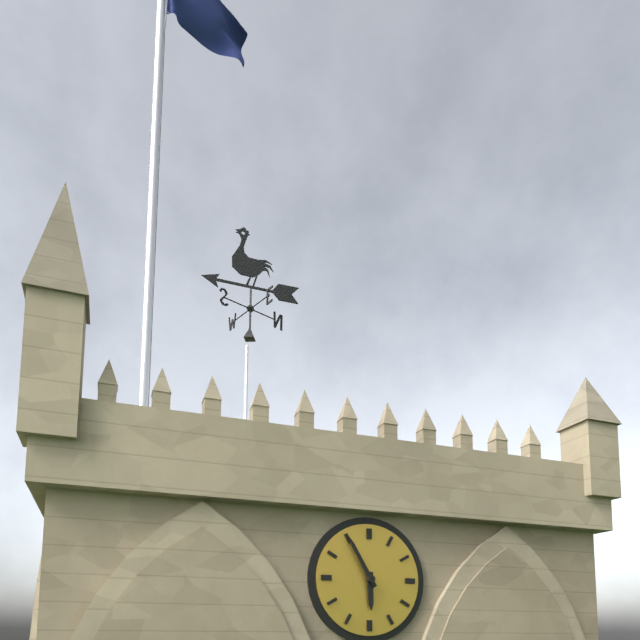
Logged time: 5 h 55 min
